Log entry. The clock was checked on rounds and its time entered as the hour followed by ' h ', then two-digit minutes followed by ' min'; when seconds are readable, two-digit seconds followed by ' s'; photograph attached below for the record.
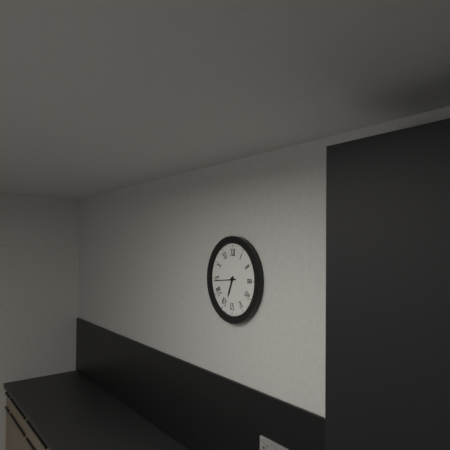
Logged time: 6 h 44 min
